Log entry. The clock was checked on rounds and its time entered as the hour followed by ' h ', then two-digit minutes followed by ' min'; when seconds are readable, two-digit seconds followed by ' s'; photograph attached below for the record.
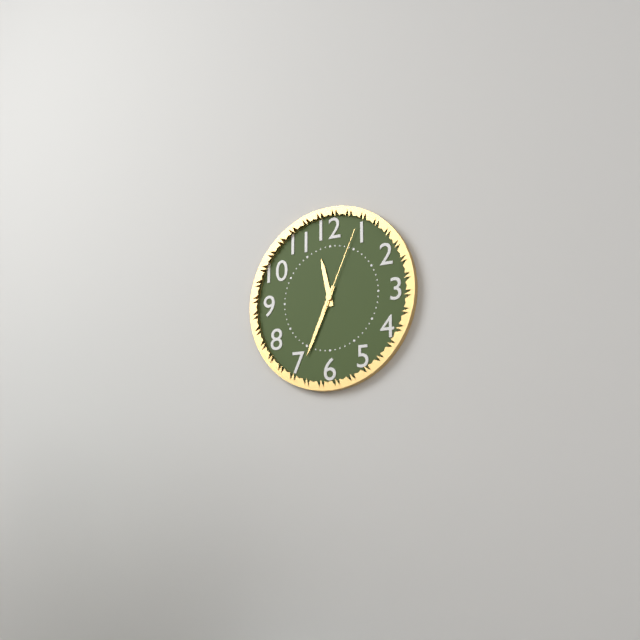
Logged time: 11 h 34 min 04 s
